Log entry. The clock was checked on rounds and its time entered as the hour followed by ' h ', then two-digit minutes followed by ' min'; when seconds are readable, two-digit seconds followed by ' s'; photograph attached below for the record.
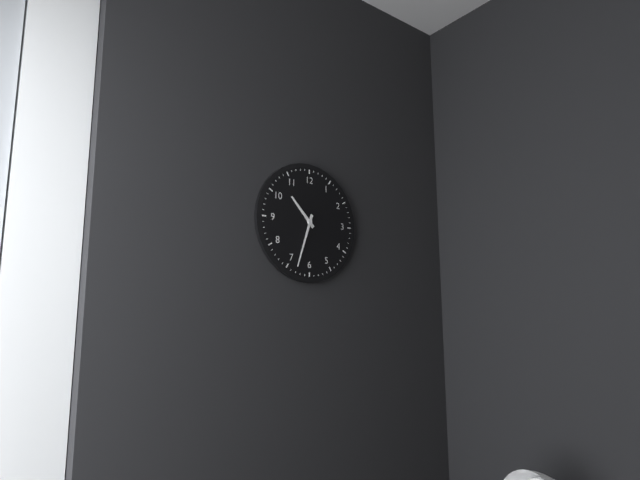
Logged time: 10 h 33 min
